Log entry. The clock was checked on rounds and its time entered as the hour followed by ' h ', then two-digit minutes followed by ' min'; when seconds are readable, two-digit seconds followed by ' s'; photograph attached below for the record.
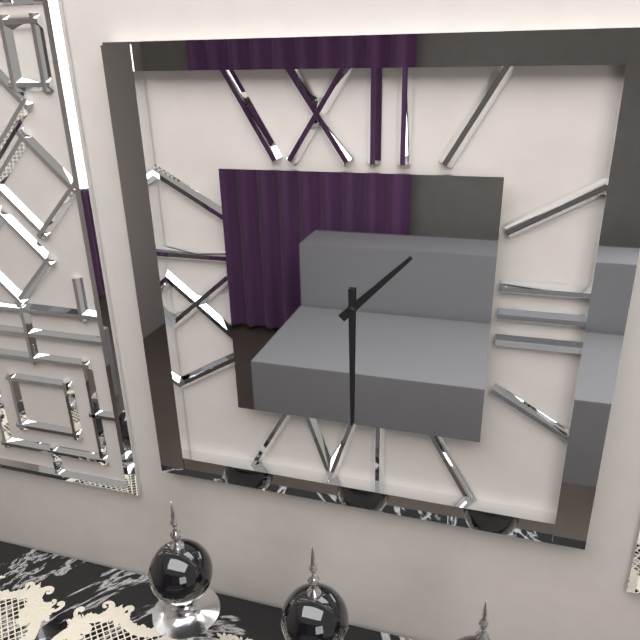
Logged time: 1 h 30 min
